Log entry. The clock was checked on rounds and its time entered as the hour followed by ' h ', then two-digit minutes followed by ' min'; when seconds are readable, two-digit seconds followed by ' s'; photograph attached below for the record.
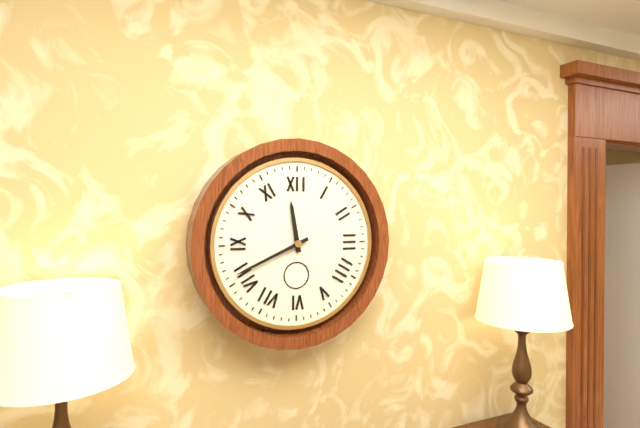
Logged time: 11 h 41 min
